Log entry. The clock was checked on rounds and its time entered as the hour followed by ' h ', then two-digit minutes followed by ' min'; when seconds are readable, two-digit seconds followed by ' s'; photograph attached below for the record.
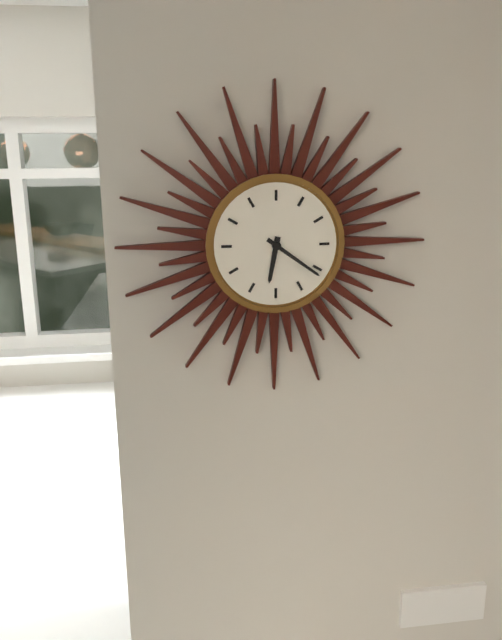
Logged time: 6 h 21 min
